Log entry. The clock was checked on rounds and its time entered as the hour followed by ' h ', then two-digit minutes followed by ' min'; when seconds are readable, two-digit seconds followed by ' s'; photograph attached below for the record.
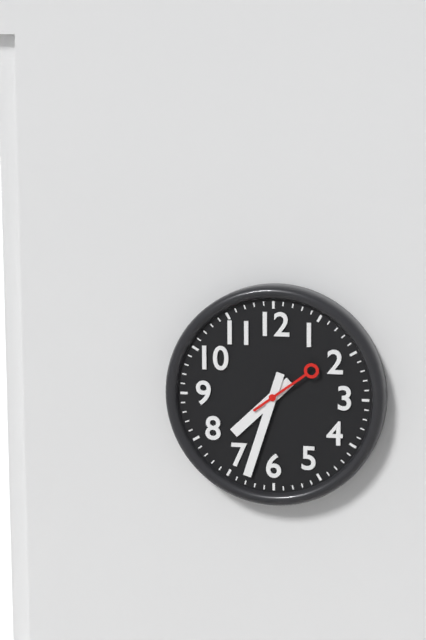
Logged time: 7 h 33 min 09 s
